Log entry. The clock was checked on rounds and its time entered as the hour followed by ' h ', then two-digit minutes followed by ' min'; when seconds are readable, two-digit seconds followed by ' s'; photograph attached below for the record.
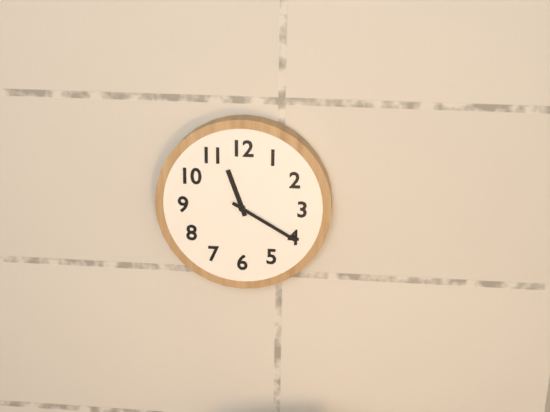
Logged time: 11 h 20 min
